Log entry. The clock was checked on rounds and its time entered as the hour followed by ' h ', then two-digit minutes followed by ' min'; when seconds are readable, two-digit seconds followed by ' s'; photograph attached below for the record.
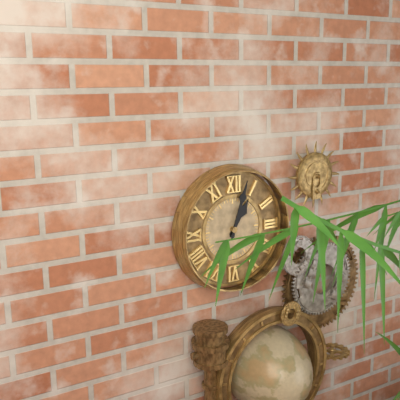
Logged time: 1 h 03 min
